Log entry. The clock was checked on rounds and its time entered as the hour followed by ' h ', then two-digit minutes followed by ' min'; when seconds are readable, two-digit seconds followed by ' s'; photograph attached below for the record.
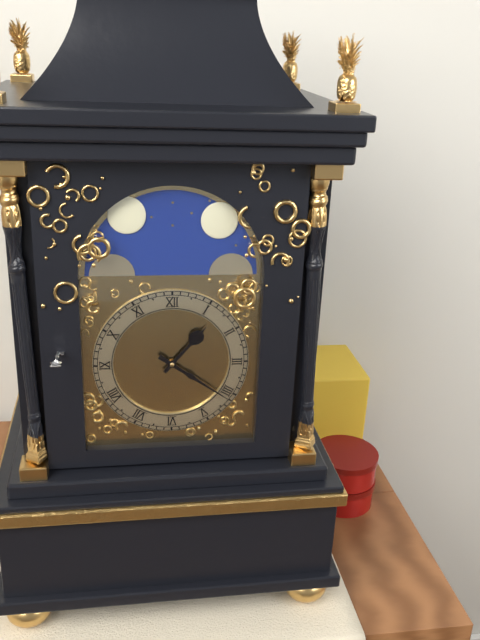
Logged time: 1 h 21 min
